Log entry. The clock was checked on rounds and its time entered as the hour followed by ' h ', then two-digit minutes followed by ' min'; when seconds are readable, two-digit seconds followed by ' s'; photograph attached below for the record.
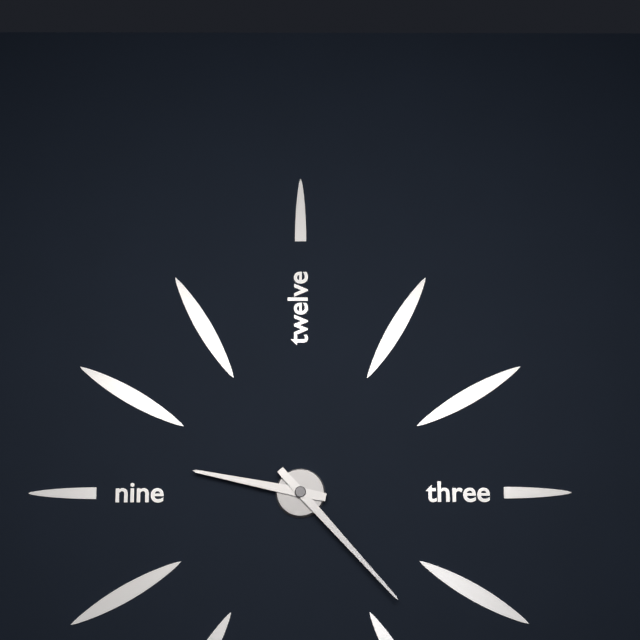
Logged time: 9 h 23 min
